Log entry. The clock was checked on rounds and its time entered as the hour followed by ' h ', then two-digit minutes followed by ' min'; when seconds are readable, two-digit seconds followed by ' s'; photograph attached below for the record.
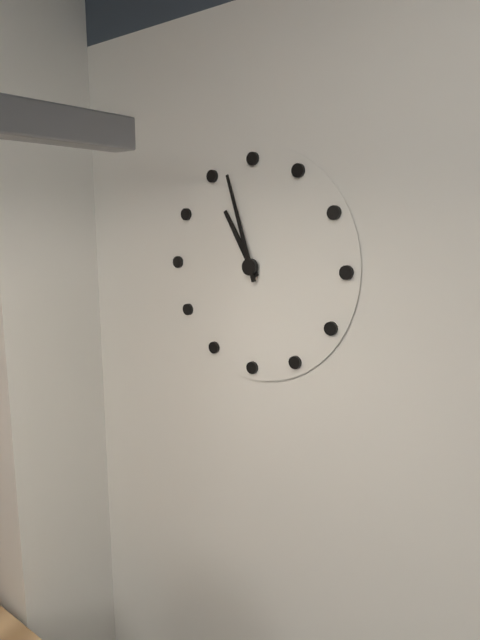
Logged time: 10 h 57 min
